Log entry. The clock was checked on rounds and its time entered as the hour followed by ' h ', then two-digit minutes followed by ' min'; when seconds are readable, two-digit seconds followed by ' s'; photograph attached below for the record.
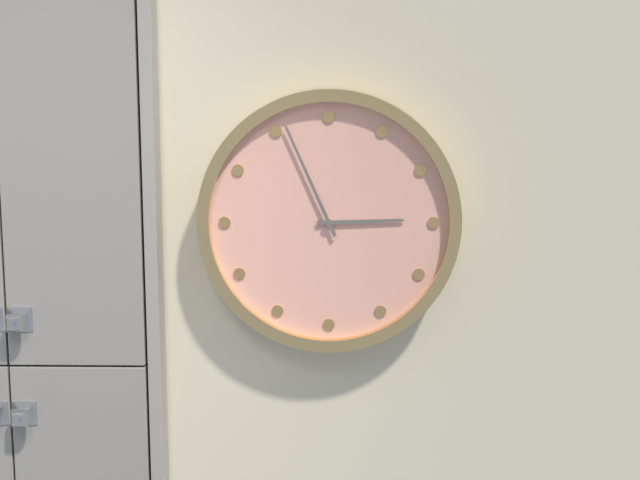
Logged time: 2 h 56 min
